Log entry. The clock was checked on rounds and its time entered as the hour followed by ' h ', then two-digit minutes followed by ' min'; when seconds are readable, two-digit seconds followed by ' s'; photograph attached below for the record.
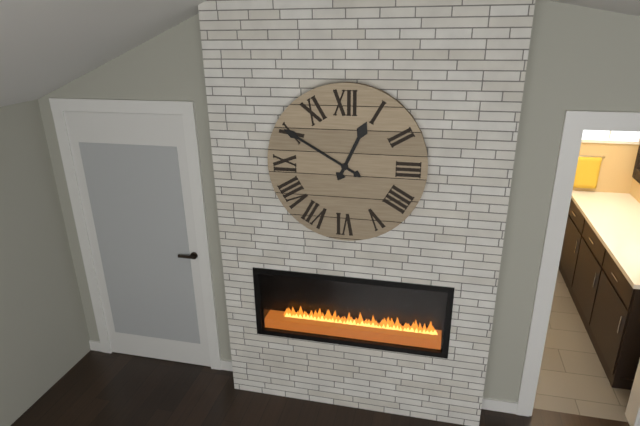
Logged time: 12 h 50 min
